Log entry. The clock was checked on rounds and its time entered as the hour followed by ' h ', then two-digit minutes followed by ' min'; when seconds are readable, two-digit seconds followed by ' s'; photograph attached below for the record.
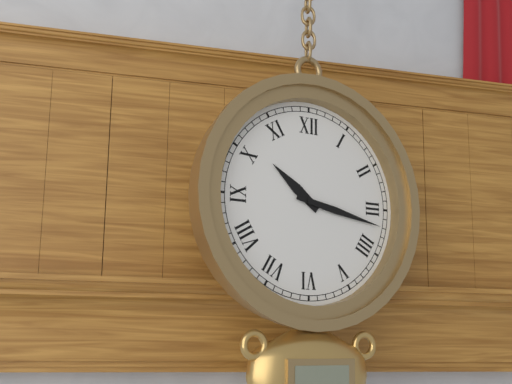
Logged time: 10 h 17 min
